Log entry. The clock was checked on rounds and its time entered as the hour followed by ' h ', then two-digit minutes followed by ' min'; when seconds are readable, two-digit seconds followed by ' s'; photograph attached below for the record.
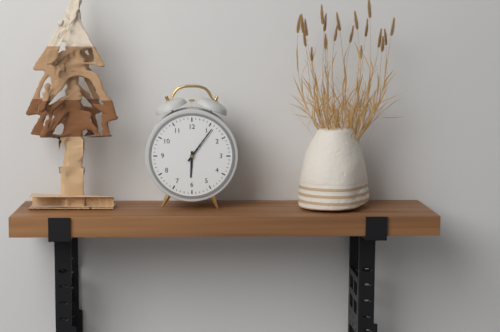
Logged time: 6 h 06 min
